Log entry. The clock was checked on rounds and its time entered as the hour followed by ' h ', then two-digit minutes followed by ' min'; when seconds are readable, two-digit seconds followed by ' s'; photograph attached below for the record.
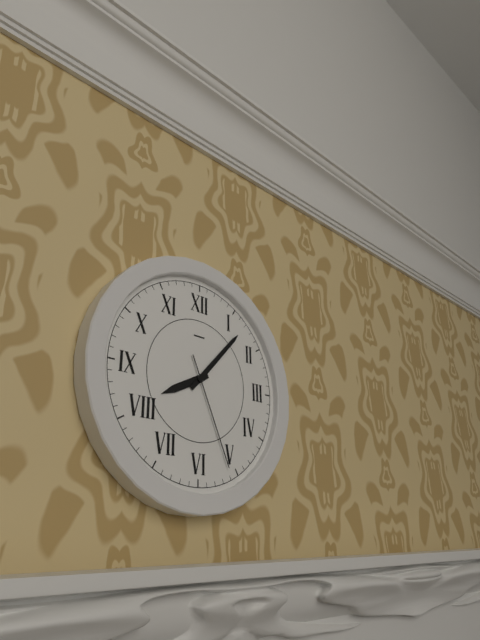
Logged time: 8 h 07 min 26 s
